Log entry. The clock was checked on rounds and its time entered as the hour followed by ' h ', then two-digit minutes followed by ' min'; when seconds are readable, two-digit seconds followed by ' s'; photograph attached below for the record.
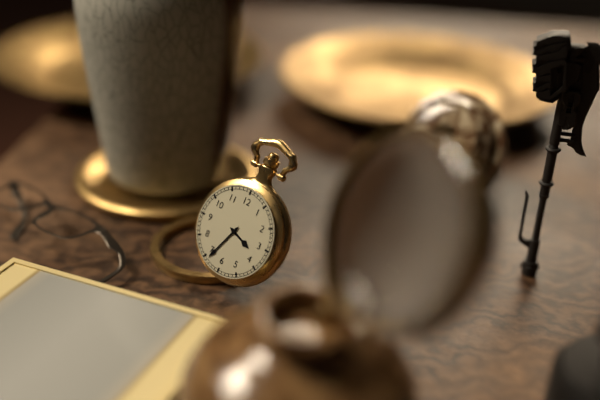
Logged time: 3 h 34 min
